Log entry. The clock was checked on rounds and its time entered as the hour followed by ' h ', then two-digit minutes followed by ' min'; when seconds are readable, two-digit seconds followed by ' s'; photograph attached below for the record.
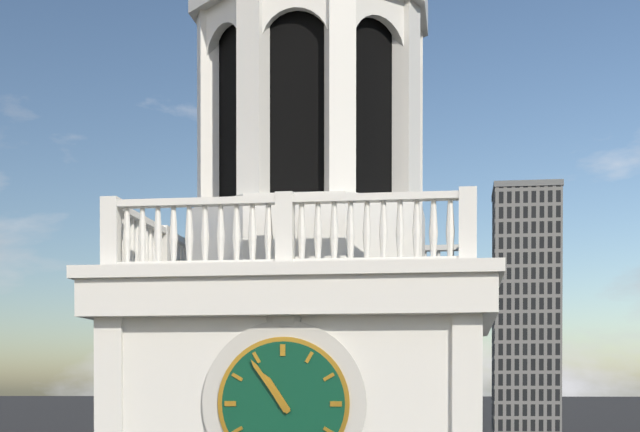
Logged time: 10 h 54 min
